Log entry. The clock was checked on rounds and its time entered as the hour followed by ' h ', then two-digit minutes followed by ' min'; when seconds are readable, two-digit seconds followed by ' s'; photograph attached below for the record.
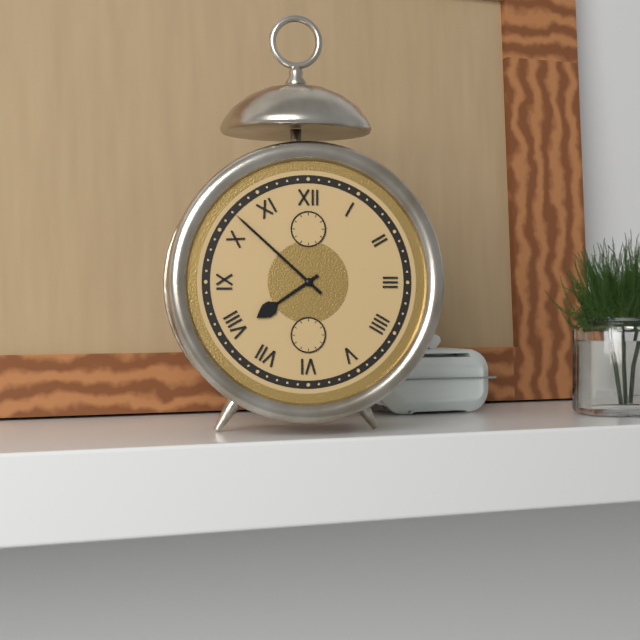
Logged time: 7 h 52 min
